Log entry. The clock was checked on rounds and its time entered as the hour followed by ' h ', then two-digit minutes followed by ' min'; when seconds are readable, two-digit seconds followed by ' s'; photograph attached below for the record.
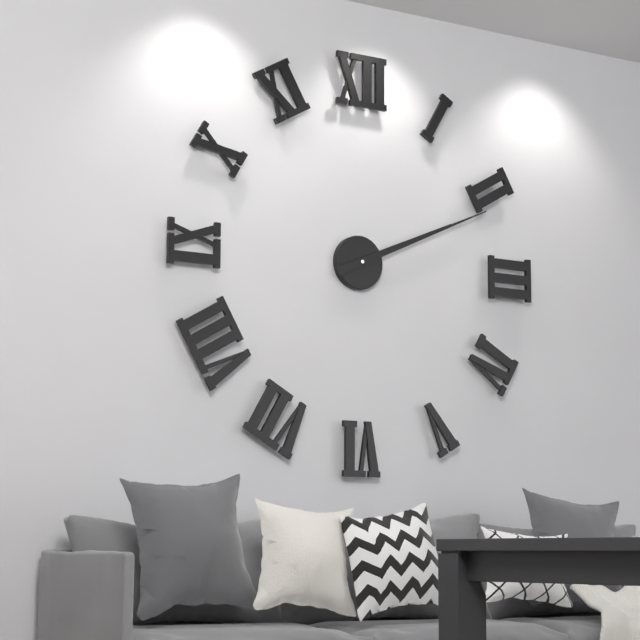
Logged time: 2 h 11 min
